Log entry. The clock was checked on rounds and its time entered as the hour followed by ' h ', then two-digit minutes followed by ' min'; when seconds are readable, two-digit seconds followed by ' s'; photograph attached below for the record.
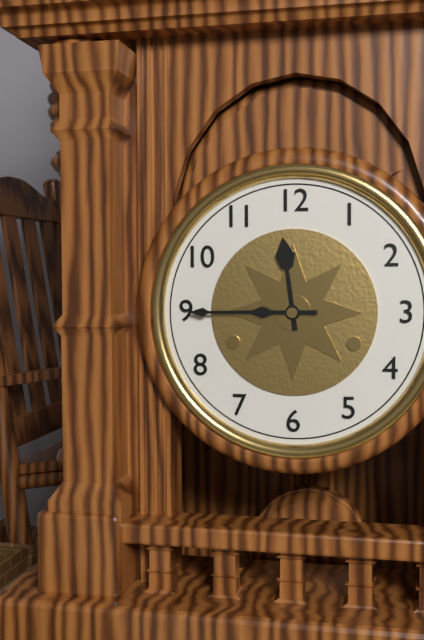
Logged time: 11 h 45 min
